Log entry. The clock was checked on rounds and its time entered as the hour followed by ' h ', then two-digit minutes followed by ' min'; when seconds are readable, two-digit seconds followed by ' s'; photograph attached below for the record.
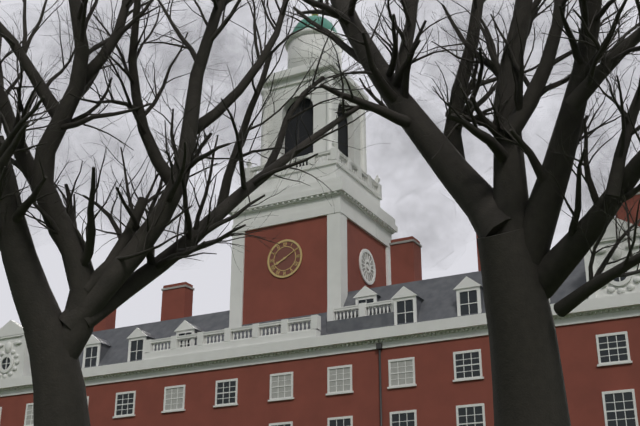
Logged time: 8 h 10 min
